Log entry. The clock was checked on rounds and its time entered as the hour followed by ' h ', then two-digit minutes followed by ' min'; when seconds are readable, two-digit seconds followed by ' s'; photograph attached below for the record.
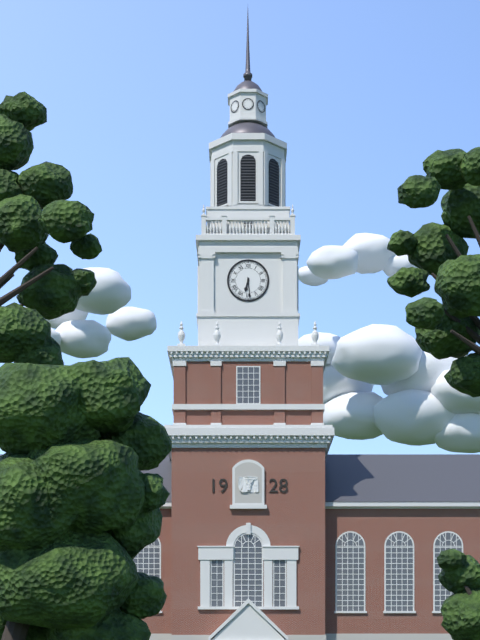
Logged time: 6 h 29 min
